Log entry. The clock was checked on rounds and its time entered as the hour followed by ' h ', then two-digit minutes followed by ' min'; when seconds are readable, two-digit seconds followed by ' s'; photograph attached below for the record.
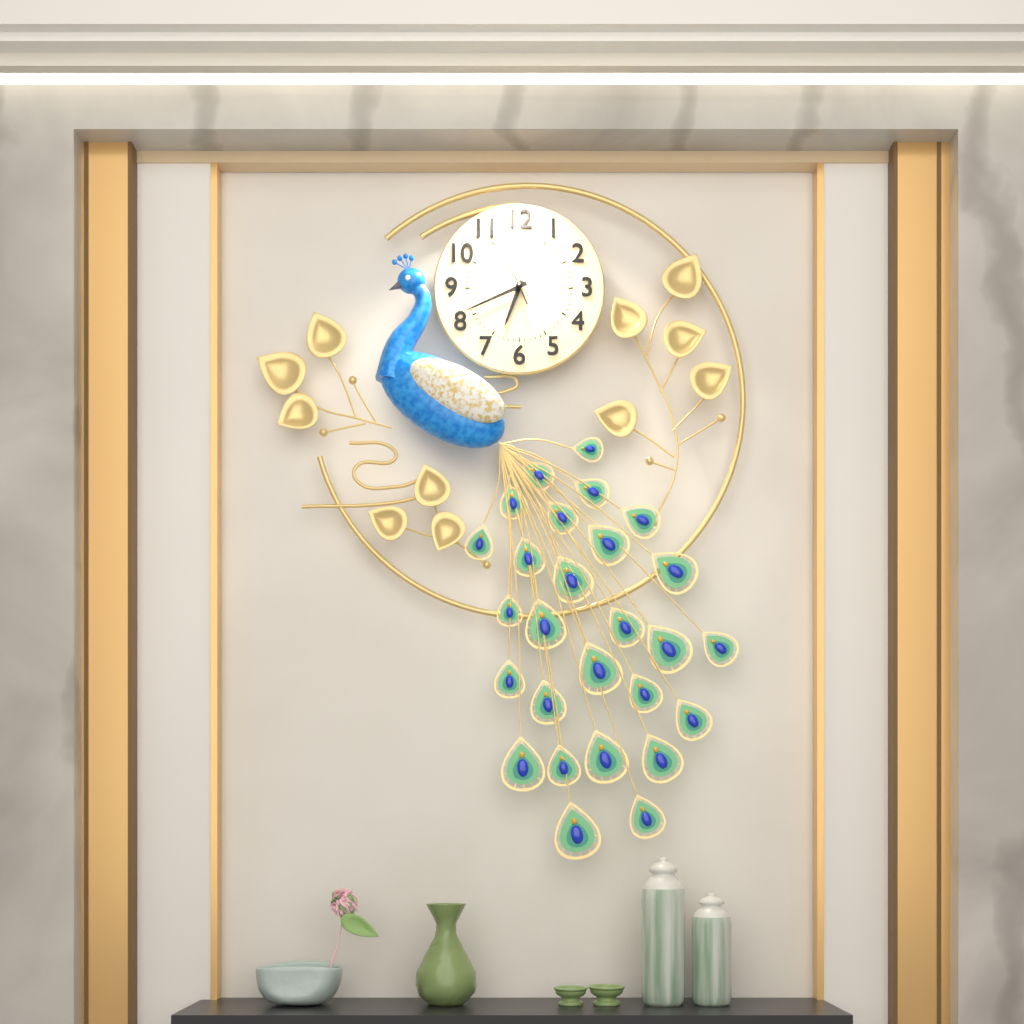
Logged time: 6 h 41 min 56 s
